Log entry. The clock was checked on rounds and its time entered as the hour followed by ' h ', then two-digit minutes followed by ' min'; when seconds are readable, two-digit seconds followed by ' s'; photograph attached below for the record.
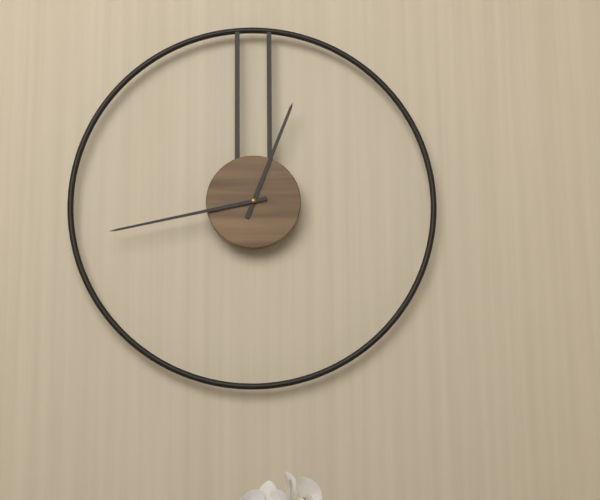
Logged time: 12 h 43 min
